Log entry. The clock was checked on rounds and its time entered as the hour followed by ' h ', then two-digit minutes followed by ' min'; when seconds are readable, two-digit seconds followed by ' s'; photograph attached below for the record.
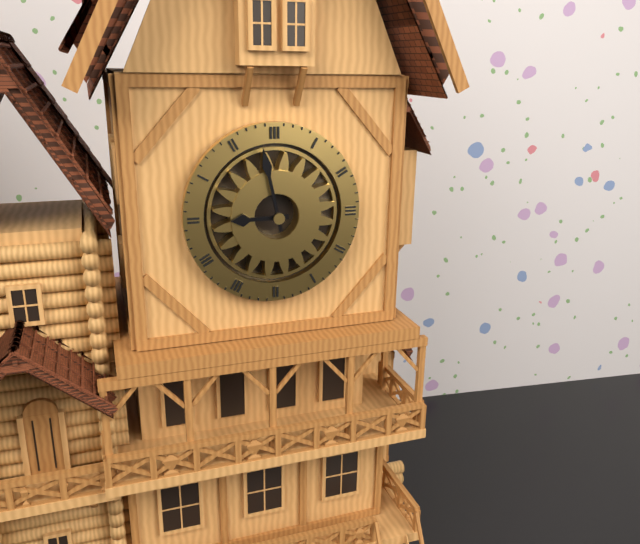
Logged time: 8 h 58 min
